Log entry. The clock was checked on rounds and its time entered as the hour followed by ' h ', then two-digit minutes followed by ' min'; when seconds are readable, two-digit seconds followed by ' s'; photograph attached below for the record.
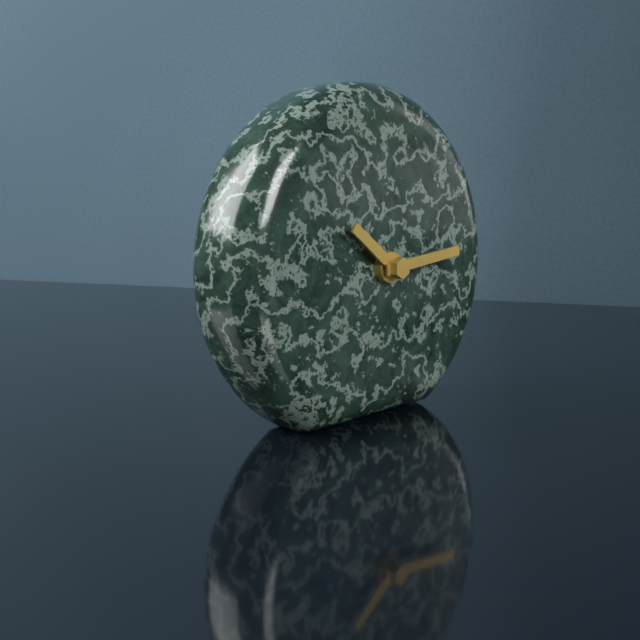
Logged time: 10 h 14 min
